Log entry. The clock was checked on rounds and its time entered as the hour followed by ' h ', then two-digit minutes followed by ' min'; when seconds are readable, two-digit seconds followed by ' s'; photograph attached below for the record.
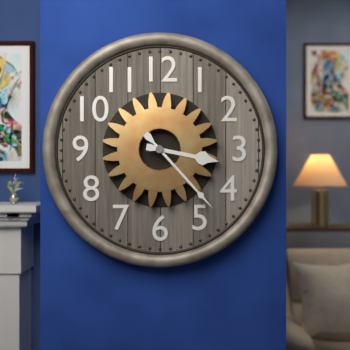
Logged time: 3 h 23 min
